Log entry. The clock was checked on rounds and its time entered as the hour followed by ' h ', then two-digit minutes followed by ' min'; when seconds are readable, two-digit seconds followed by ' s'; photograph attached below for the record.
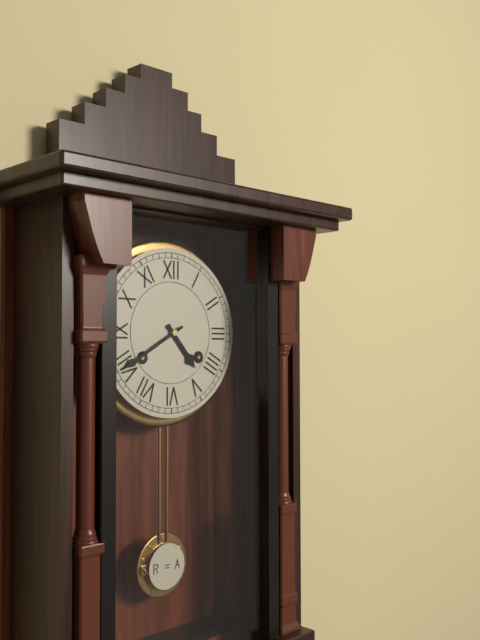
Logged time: 4 h 40 min
